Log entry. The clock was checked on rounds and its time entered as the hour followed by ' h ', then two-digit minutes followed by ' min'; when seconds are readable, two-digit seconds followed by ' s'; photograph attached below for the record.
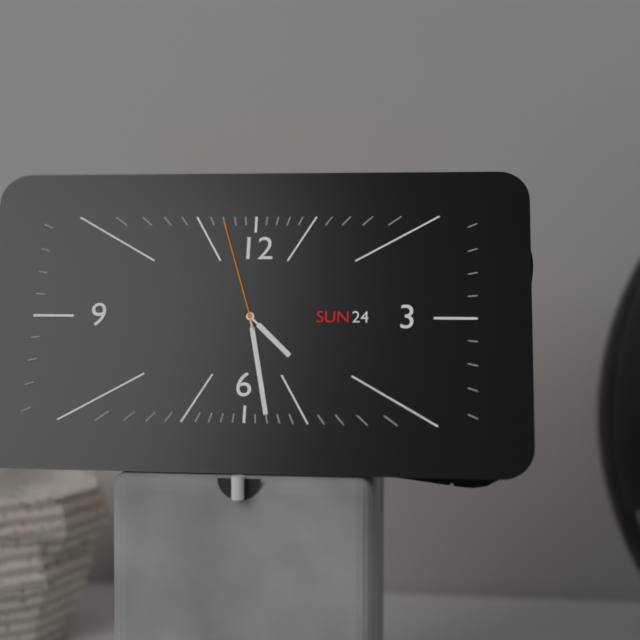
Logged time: 4 h 28 min 57 s
